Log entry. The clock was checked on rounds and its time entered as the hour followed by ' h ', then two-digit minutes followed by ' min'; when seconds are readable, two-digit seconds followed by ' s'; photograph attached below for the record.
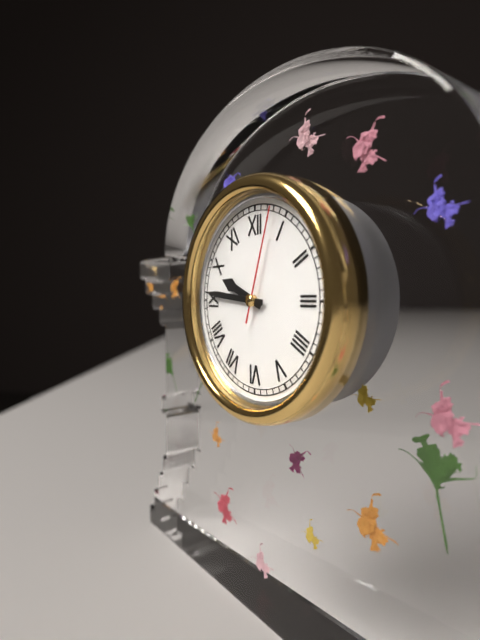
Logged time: 9 h 46 min 03 s
